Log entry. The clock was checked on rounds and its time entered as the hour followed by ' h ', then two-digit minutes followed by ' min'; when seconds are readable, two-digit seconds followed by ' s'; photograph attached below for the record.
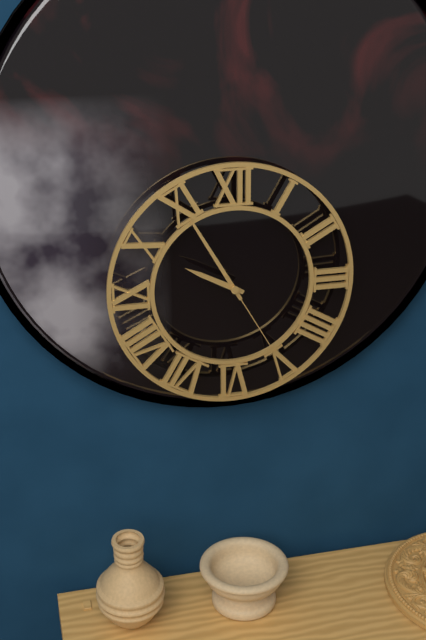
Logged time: 9 h 55 min 25 s
